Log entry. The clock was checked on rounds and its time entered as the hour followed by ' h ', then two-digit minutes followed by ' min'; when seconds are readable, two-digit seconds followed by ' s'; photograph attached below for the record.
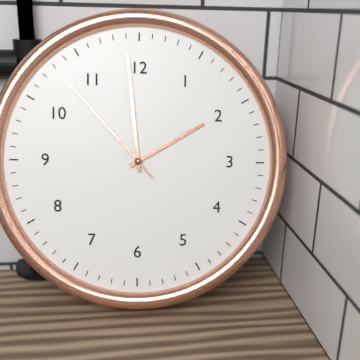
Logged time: 1 h 59 min 53 s
